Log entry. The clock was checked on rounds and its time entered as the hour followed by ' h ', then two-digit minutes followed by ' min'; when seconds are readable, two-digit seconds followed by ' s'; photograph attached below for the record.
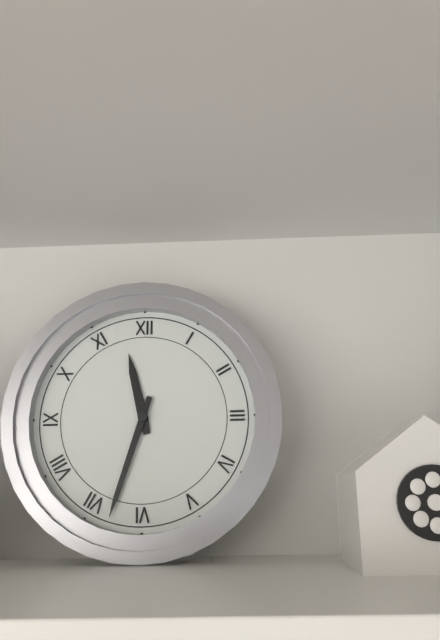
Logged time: 11 h 33 min
